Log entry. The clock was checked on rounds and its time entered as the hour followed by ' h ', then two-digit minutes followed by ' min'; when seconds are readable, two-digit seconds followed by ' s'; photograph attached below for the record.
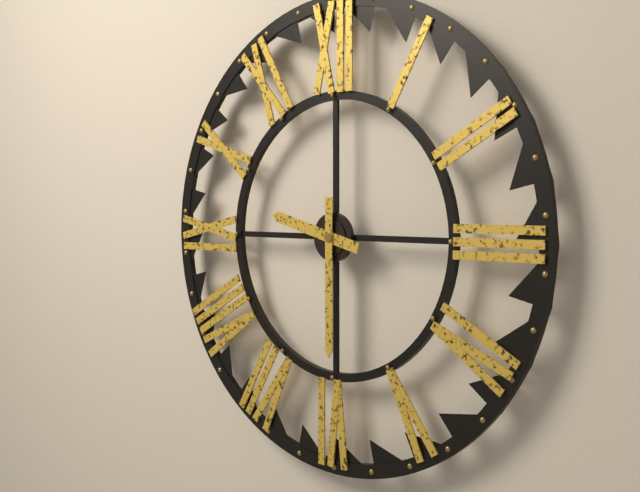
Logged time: 9 h 30 min
